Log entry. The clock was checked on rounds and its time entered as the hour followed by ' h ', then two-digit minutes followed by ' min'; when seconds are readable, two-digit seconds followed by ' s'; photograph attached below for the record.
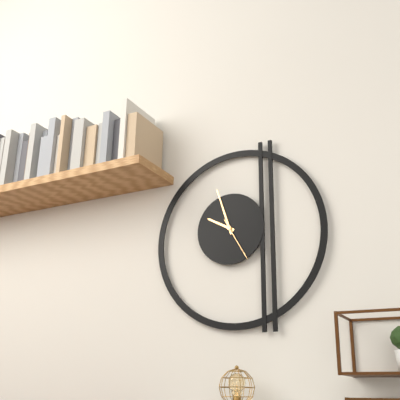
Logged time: 9 h 57 min
